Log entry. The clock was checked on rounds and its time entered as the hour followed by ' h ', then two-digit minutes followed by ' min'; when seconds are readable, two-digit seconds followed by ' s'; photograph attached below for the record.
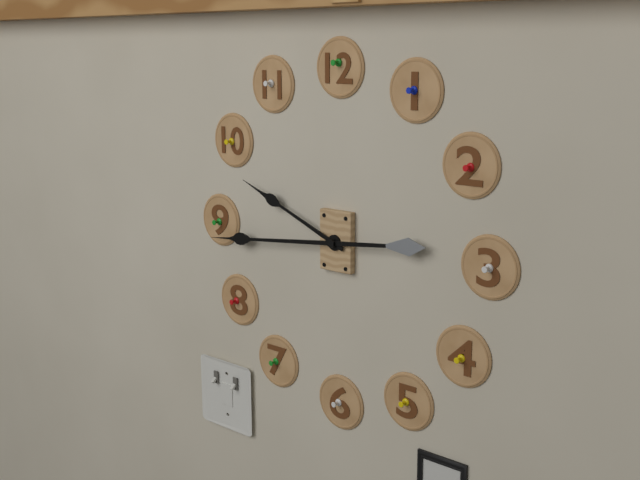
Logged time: 9 h 44 min
